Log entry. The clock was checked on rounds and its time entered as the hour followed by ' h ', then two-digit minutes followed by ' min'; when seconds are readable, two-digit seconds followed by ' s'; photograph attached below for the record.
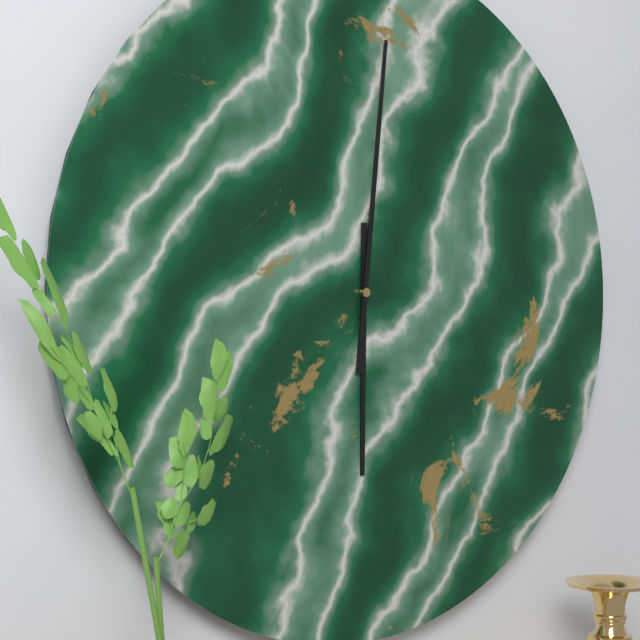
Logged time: 6 h 01 min
